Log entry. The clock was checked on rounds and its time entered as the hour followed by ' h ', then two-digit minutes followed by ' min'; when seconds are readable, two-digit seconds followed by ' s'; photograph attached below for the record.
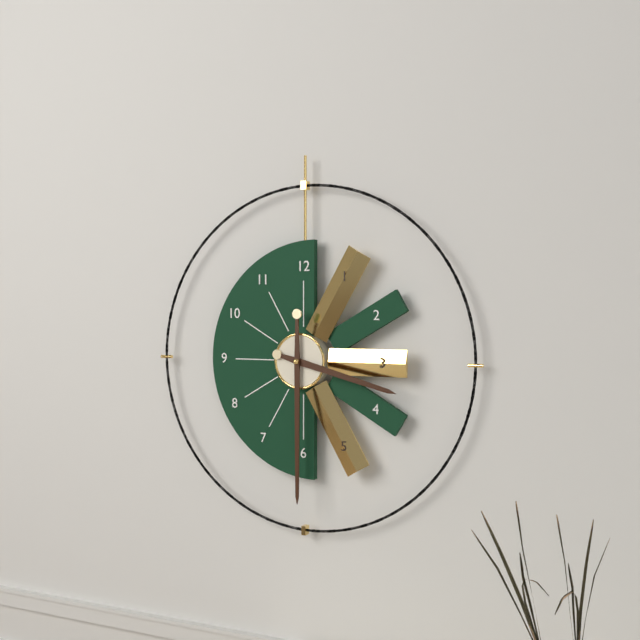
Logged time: 3 h 30 min
